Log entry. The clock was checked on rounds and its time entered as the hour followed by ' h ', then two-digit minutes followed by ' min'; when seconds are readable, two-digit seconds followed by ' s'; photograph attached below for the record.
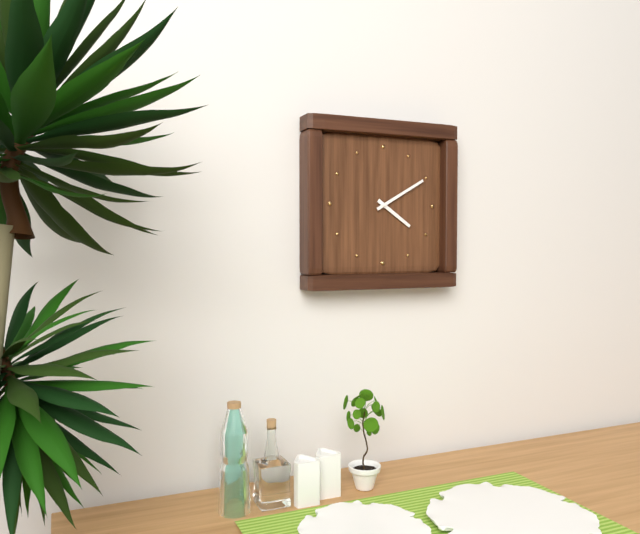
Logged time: 4 h 10 min
